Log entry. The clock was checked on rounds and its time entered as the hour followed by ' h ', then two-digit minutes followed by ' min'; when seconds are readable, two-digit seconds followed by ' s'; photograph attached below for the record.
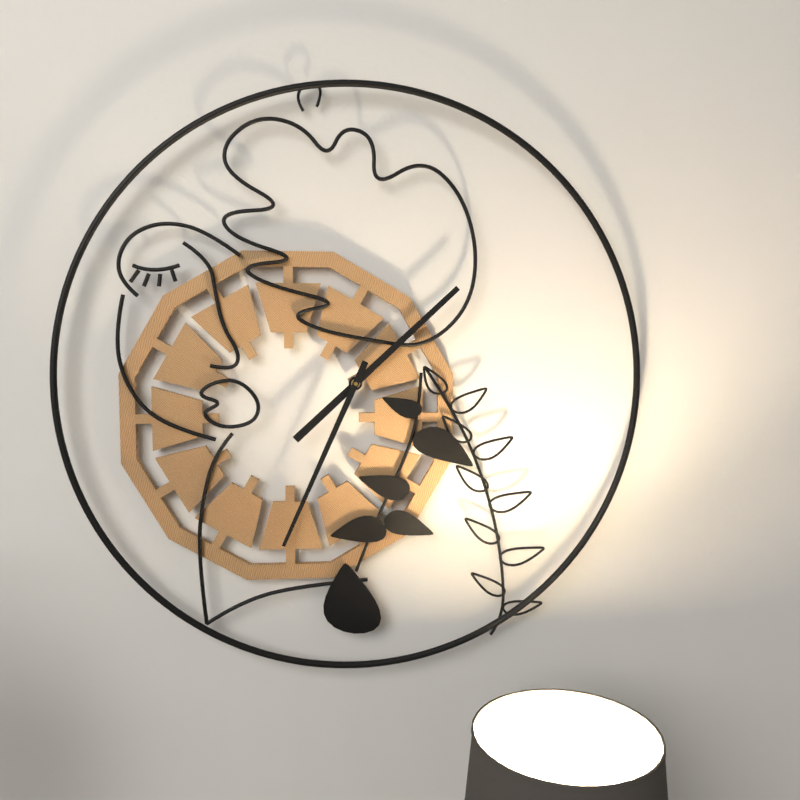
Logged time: 1 h 34 min
